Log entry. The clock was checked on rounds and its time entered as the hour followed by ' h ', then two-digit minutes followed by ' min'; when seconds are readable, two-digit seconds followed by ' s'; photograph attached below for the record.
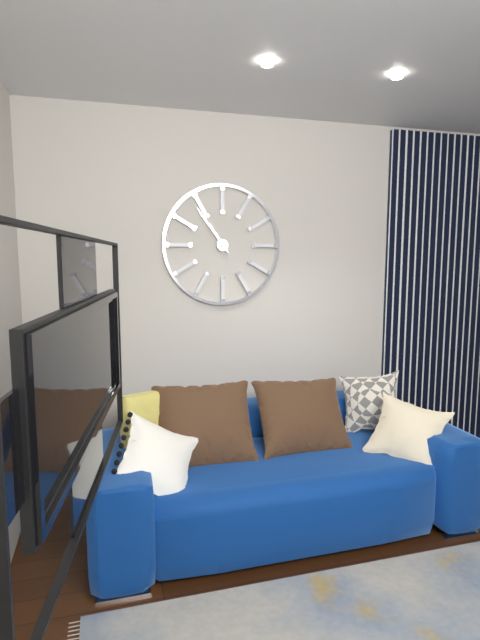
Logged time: 10 h 54 min
